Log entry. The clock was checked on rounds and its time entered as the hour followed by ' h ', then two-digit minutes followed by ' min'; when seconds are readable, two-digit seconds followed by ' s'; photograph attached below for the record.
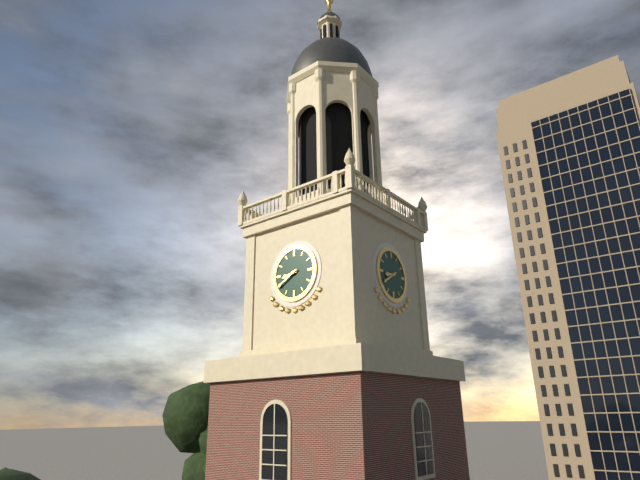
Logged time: 8 h 40 min
